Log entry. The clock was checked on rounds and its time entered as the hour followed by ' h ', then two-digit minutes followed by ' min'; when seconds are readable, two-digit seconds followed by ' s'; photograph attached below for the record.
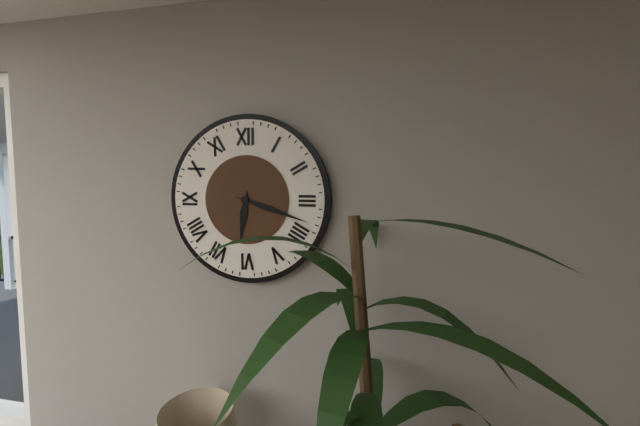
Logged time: 6 h 18 min
